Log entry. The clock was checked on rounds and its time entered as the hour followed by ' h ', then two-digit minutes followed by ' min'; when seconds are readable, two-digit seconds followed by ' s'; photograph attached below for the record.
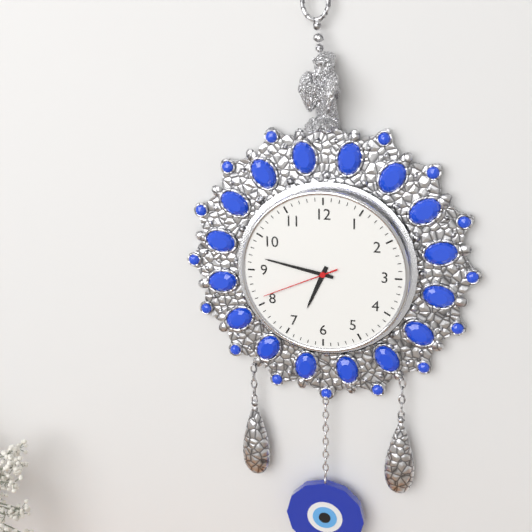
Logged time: 6 h 47 min 41 s
